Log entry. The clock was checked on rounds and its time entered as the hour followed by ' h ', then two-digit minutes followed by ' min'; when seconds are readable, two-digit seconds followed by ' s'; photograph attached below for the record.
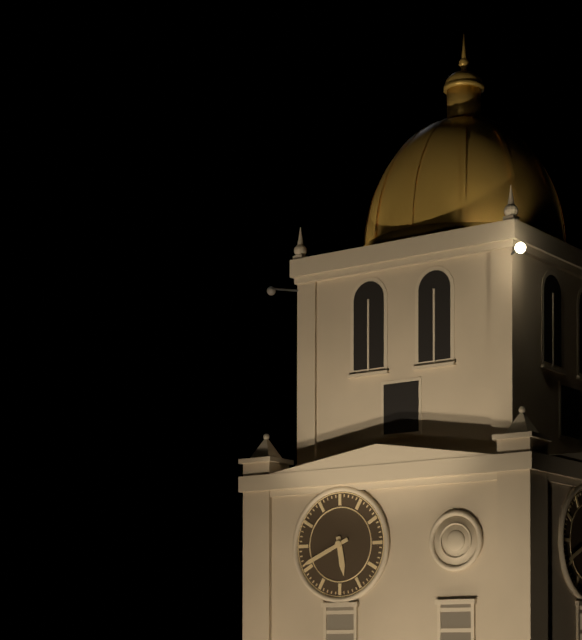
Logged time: 5 h 41 min
